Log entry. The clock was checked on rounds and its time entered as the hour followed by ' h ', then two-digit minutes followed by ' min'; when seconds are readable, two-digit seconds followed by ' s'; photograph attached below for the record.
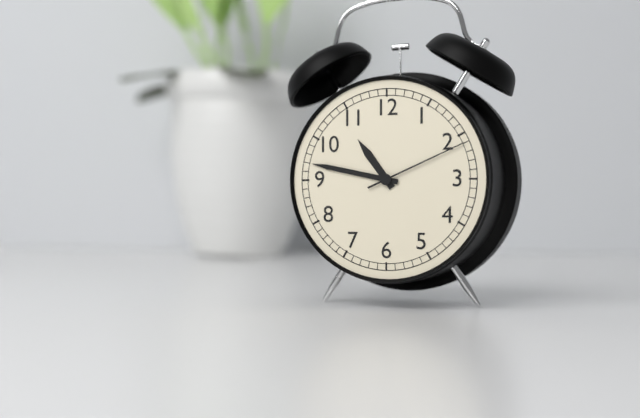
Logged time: 10 h 47 min 11 s
